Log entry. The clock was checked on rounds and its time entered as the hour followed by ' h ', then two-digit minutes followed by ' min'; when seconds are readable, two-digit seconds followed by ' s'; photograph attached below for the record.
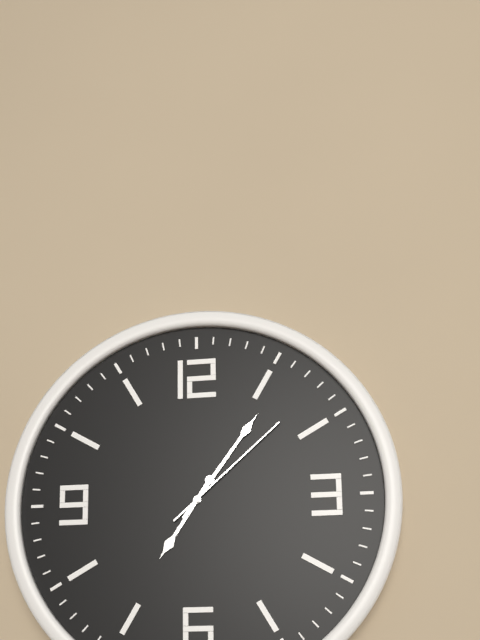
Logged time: 7 h 06 min 08 s
